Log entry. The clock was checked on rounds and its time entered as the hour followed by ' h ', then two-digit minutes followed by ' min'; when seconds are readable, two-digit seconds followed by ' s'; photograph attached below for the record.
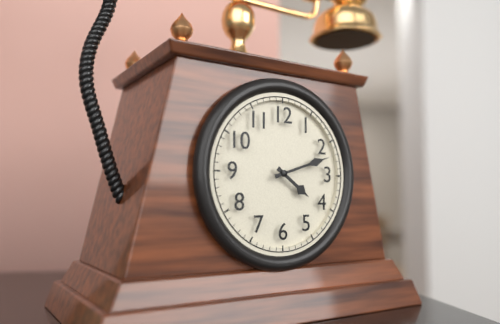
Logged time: 4 h 12 min
